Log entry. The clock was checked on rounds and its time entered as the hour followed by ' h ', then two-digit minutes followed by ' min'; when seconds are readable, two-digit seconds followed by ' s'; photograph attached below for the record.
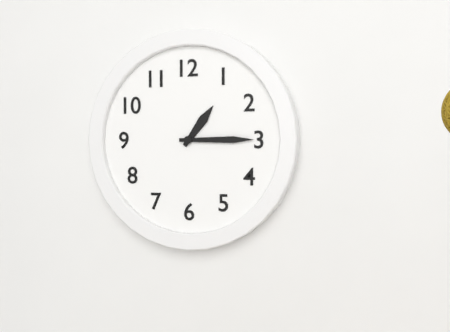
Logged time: 1 h 15 min
